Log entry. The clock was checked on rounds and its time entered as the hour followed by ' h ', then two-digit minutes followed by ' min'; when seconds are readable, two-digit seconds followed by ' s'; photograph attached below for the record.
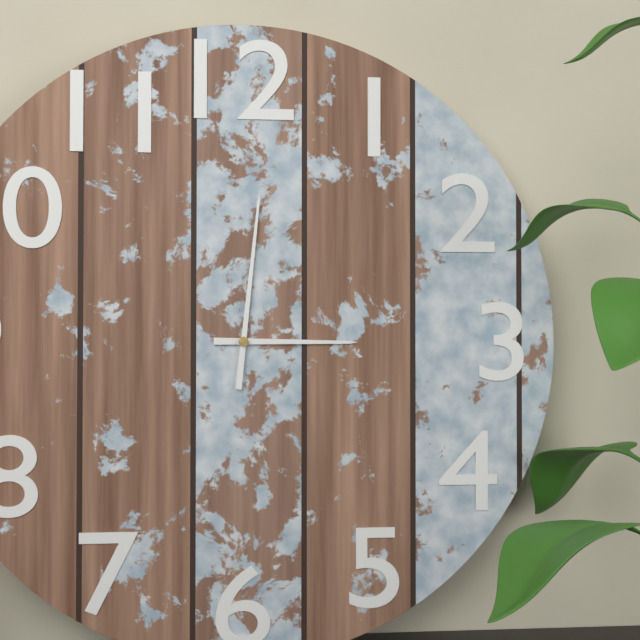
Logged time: 3 h 01 min
